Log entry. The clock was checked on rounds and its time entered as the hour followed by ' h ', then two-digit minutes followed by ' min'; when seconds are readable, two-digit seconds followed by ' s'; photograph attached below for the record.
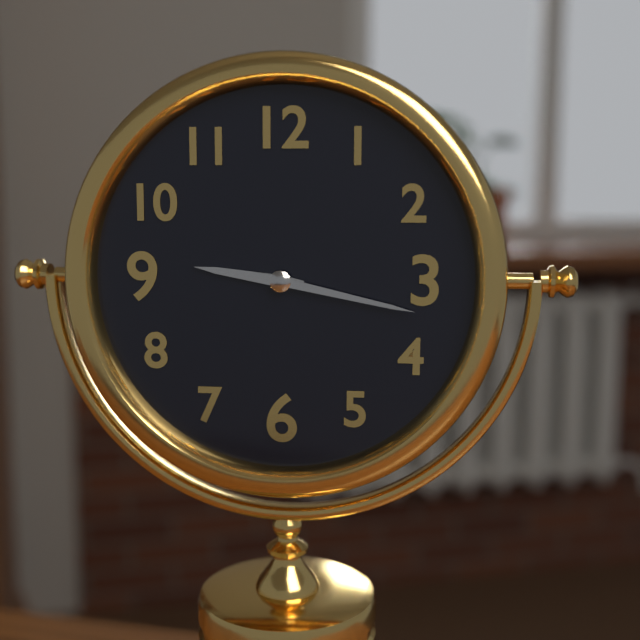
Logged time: 9 h 17 min
